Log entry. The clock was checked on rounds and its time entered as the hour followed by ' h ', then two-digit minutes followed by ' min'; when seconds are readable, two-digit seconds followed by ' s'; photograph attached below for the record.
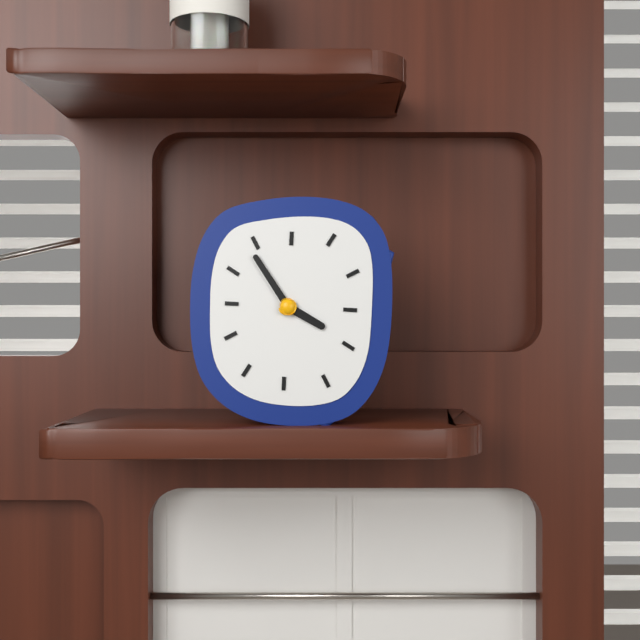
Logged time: 3 h 54 min
